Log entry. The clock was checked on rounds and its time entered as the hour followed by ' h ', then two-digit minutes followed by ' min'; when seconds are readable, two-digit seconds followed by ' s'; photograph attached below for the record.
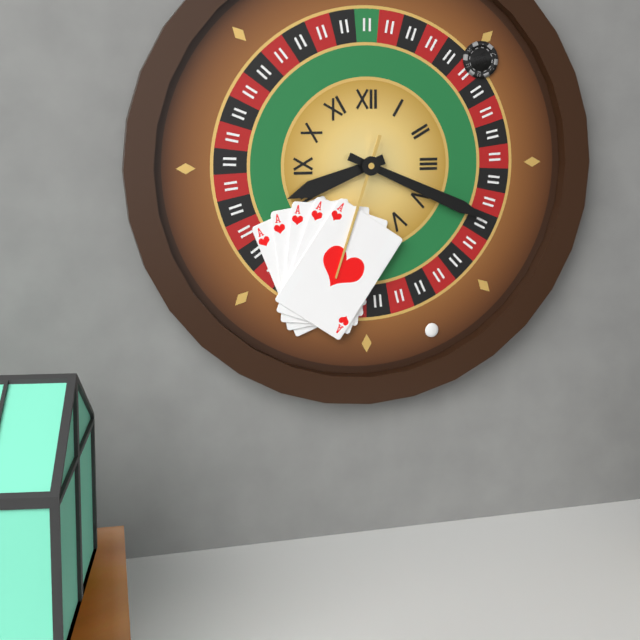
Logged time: 8 h 19 min 33 s
